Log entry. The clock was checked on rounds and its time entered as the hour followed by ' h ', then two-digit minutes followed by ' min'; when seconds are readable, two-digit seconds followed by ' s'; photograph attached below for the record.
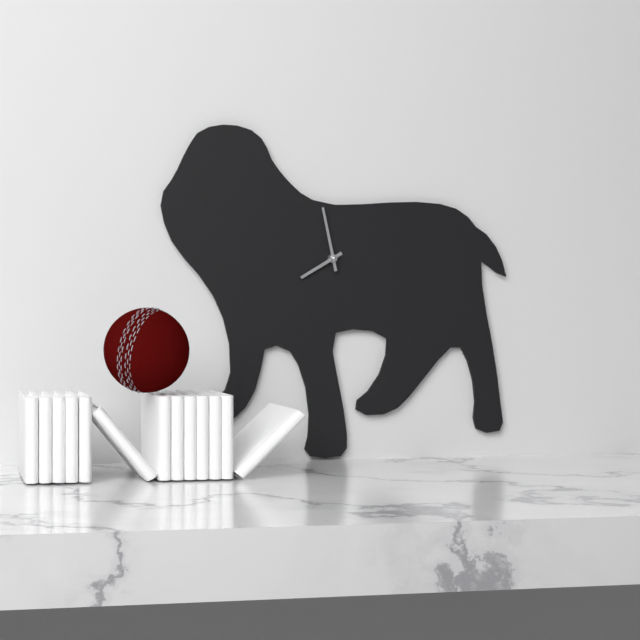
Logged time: 7 h 58 min
